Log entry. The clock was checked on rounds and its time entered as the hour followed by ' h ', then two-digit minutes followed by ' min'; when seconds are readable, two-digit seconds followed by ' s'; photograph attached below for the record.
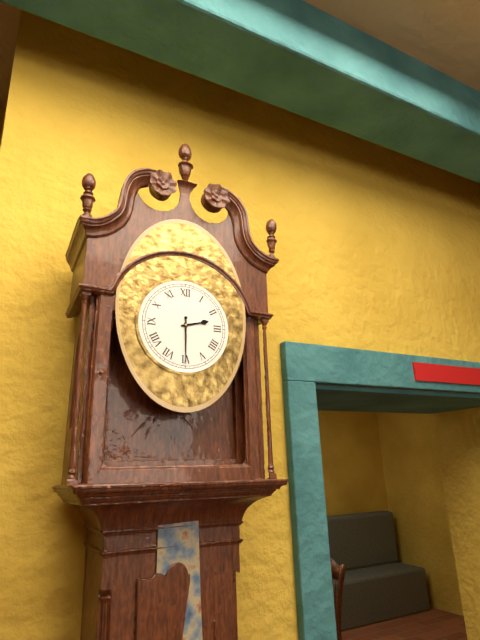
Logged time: 2 h 30 min
